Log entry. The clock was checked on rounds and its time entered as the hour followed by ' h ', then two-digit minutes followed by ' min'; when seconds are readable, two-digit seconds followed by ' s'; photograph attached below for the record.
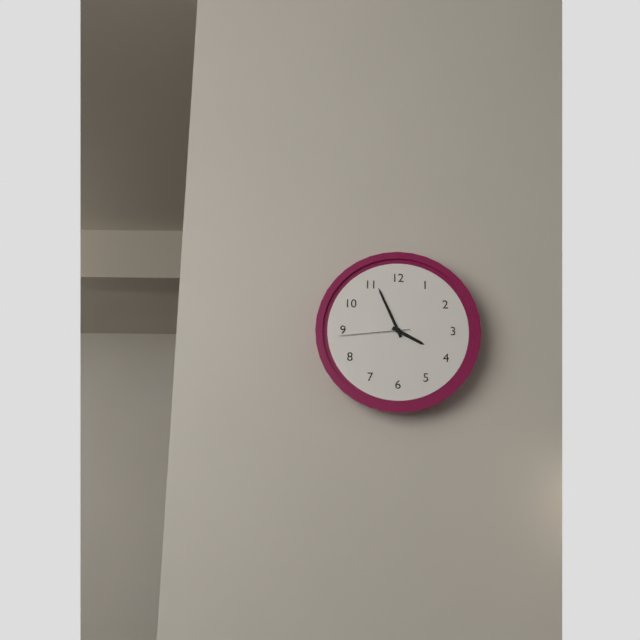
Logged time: 3 h 56 min 44 s
